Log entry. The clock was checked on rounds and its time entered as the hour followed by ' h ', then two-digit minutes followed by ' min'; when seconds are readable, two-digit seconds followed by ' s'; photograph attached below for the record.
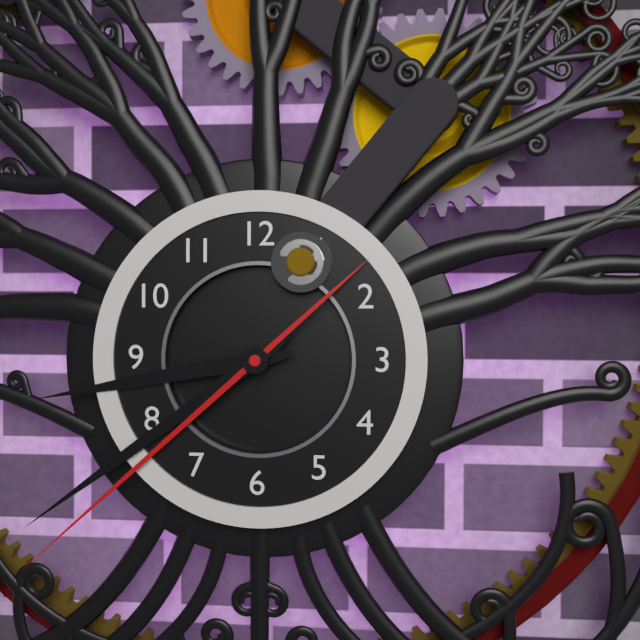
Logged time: 8 h 39 min 38 s
